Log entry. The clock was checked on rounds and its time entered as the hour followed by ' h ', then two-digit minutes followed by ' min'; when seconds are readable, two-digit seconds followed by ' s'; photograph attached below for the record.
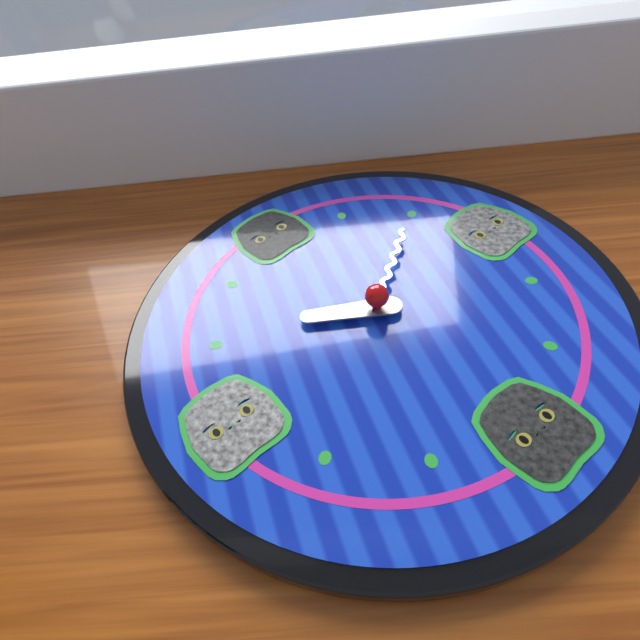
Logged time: 10 h 10 min
